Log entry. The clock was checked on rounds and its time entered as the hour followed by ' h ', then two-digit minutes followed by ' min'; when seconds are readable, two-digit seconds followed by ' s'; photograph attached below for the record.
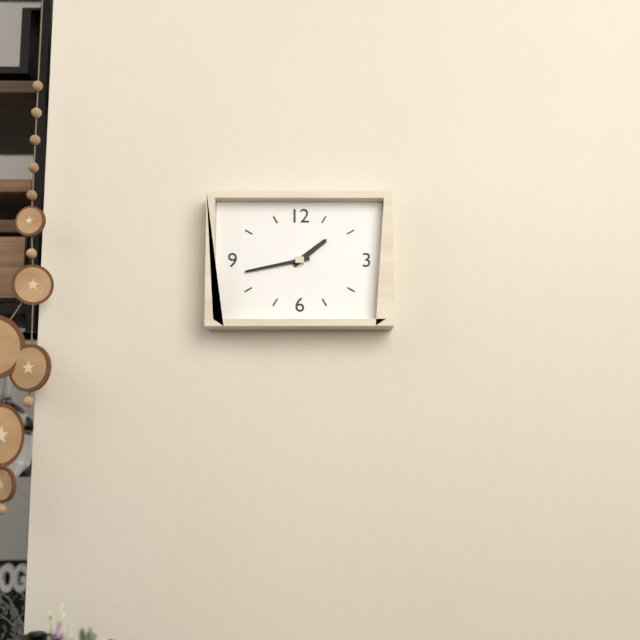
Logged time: 1 h 43 min
